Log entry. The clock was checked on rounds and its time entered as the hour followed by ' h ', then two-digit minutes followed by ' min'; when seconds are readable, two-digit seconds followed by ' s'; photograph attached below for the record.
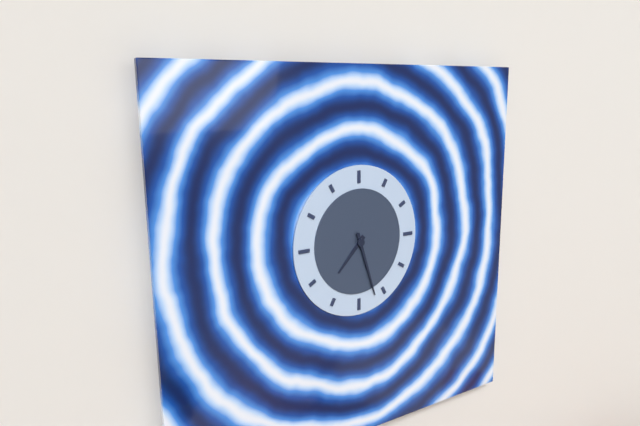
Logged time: 7 h 27 min
